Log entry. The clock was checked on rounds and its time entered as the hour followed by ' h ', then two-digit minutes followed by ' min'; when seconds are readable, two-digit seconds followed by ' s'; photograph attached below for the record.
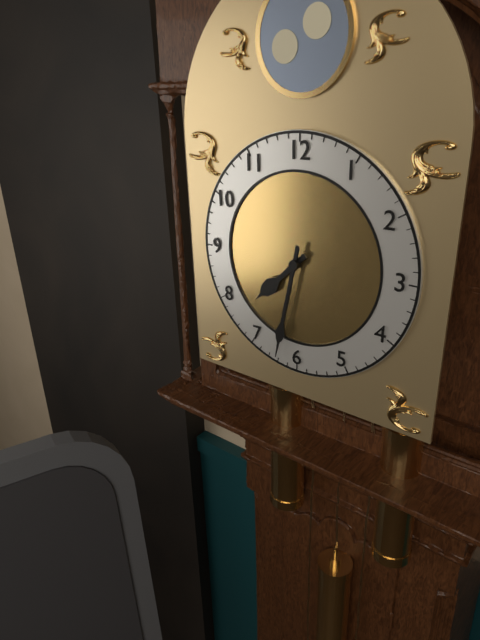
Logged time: 7 h 32 min
